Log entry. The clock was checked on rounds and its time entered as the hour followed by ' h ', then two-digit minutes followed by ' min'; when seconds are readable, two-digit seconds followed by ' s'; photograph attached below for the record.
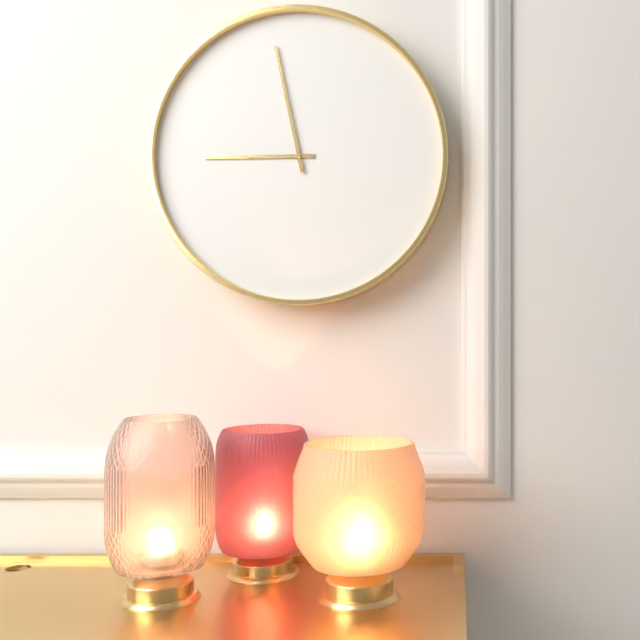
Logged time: 8 h 58 min
